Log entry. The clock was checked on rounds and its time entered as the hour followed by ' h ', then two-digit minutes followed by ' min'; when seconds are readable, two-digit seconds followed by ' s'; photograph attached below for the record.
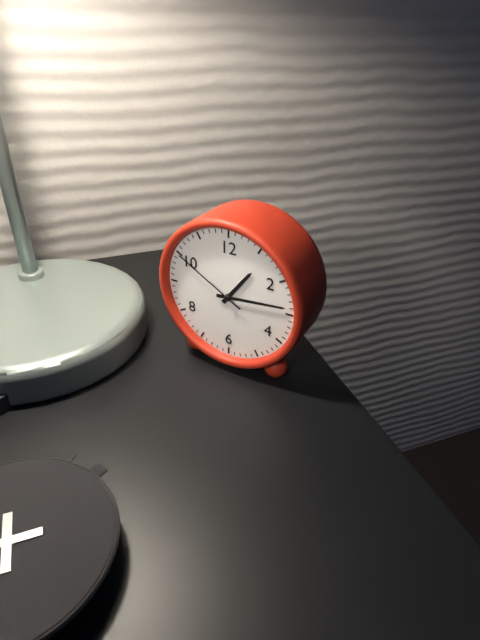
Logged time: 1 h 14 min 50 s
